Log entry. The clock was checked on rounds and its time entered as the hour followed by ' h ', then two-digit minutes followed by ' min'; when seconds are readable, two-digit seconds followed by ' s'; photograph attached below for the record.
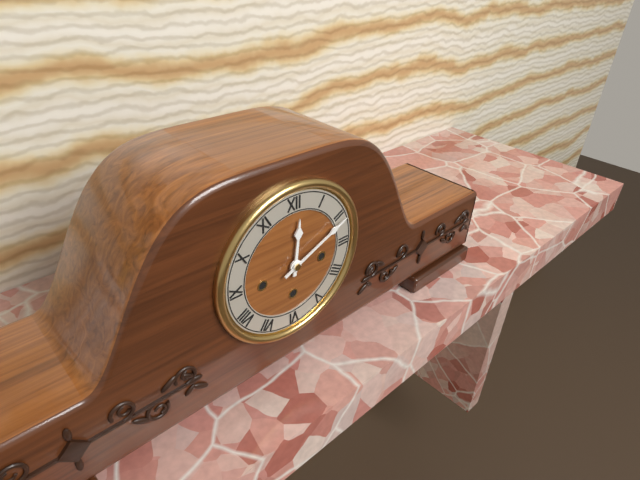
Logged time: 12 h 11 min
